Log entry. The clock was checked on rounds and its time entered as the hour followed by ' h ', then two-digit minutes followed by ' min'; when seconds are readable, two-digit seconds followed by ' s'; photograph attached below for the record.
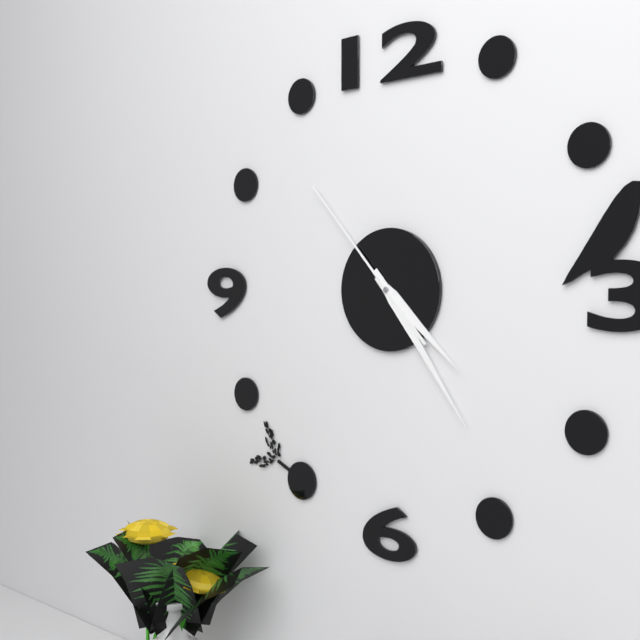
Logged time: 4 h 24 min 53 s
